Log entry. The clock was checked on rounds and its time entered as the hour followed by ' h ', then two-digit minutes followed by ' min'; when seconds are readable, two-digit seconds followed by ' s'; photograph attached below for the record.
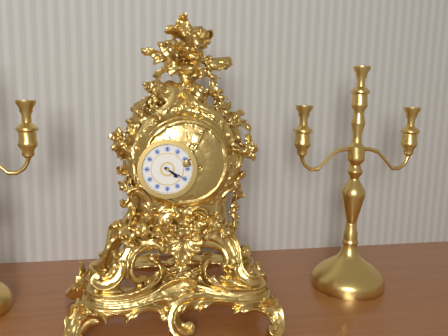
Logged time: 4 h 20 min
